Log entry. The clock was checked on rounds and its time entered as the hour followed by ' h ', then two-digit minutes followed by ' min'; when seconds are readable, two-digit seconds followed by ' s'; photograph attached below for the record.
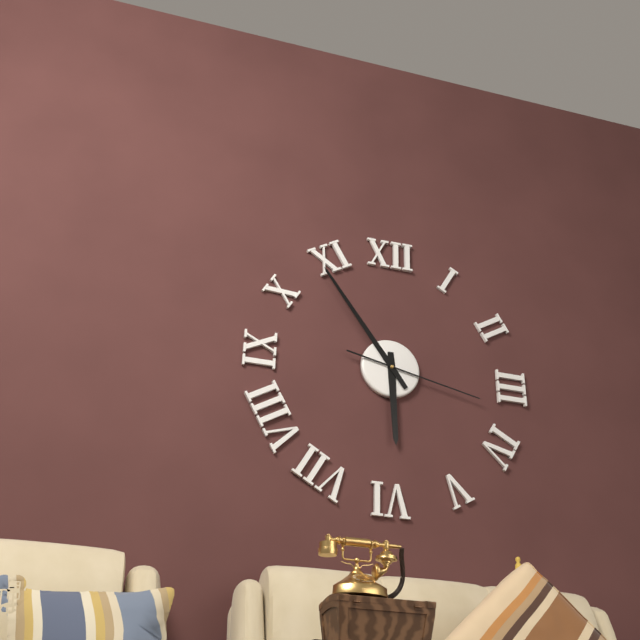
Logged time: 5 h 54 min 17 s
